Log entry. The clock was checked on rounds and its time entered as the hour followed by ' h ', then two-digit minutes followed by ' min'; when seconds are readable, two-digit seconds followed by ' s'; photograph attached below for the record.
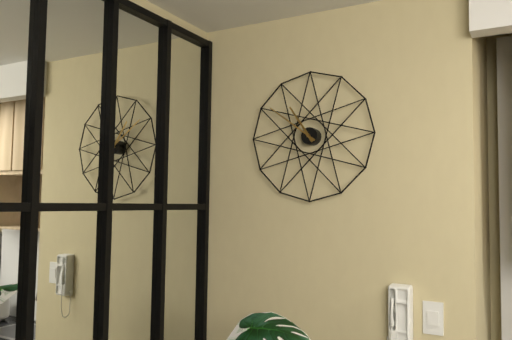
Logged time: 10 h 51 min
